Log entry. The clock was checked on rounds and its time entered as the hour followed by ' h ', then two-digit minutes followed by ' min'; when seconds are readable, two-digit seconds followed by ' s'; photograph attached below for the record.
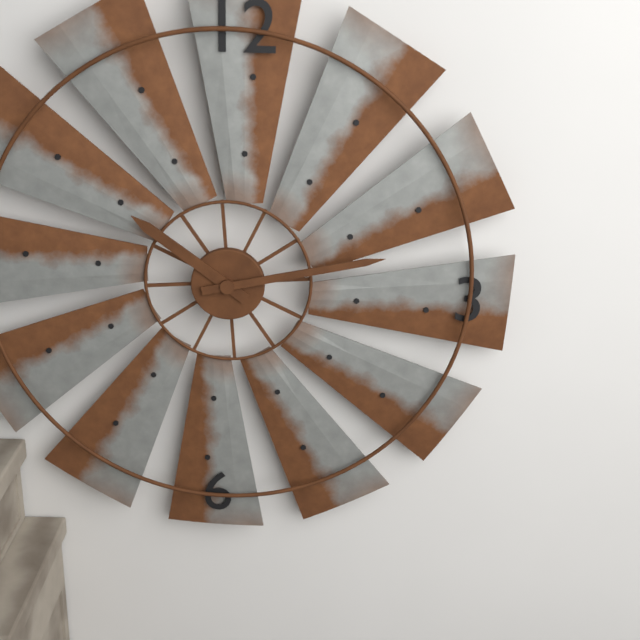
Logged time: 10 h 13 min
